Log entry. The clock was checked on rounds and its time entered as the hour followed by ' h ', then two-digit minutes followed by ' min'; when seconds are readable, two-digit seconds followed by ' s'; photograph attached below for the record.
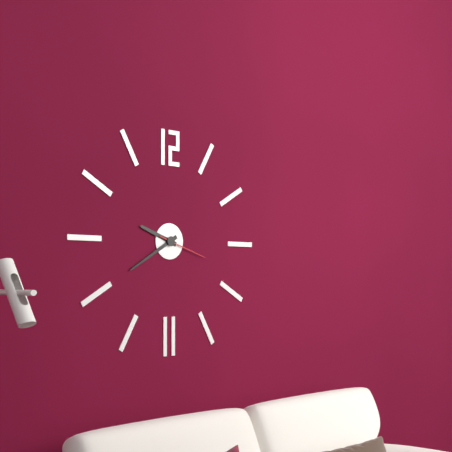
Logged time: 9 h 40 min 18 s
